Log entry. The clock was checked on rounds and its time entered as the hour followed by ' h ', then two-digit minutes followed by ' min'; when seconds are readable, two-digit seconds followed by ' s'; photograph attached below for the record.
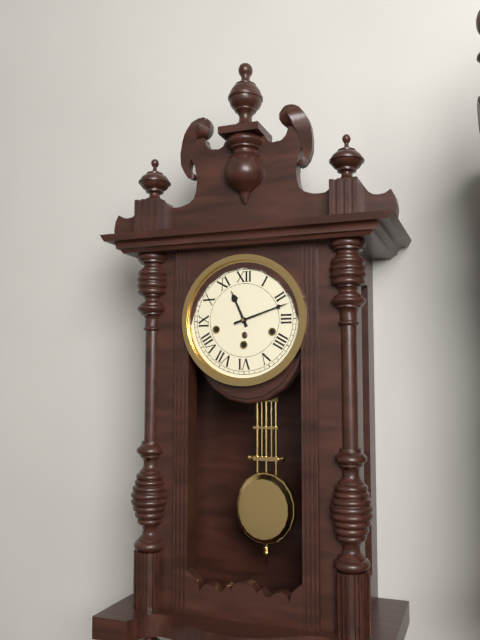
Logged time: 11 h 12 min
